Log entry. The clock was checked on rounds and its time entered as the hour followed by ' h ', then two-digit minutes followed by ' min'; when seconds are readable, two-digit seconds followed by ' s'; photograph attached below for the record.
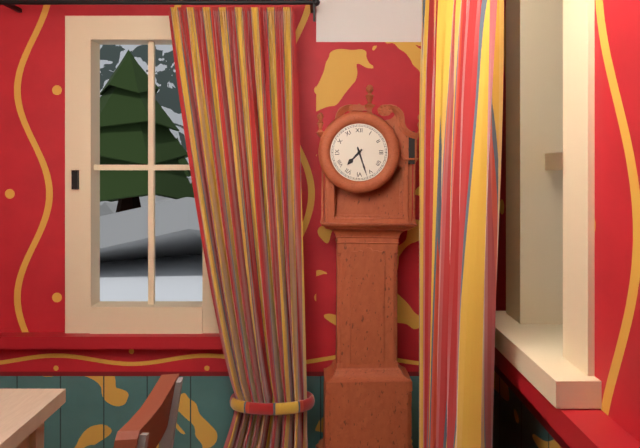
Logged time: 7 h 27 min
